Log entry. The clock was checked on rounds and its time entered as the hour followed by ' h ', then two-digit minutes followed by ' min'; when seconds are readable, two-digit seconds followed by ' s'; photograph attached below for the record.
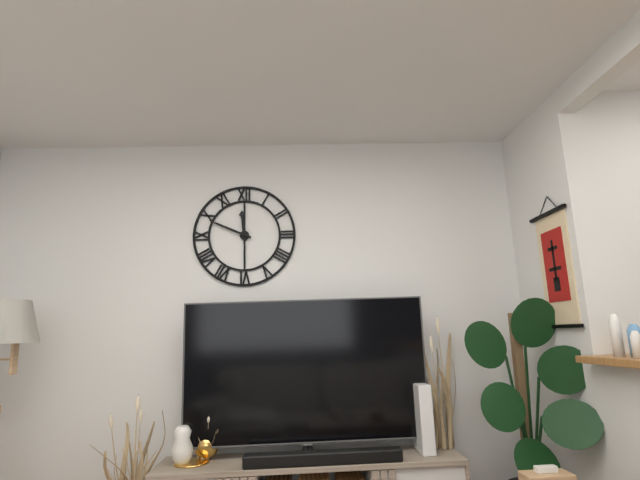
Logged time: 11 h 49 min
